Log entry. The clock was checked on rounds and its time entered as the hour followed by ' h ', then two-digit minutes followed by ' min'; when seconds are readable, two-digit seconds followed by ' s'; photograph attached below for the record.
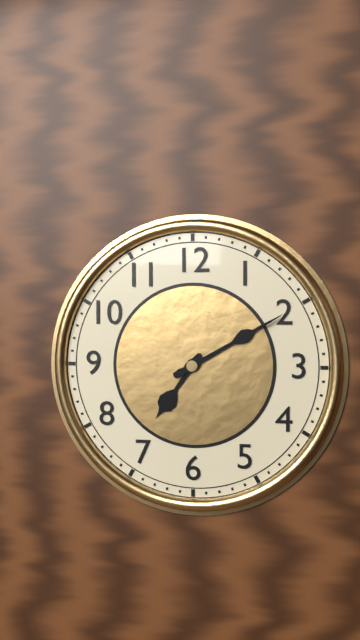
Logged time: 7 h 10 min
